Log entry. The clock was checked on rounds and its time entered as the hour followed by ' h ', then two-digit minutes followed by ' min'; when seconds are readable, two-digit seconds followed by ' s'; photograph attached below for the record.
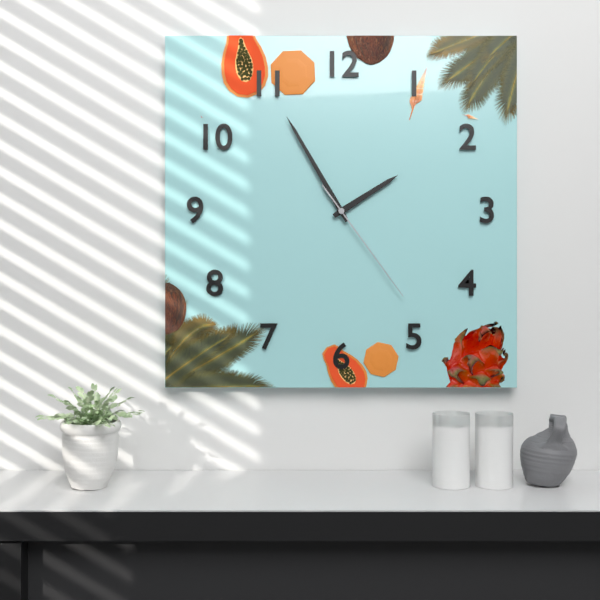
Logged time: 1 h 55 min 24 s
